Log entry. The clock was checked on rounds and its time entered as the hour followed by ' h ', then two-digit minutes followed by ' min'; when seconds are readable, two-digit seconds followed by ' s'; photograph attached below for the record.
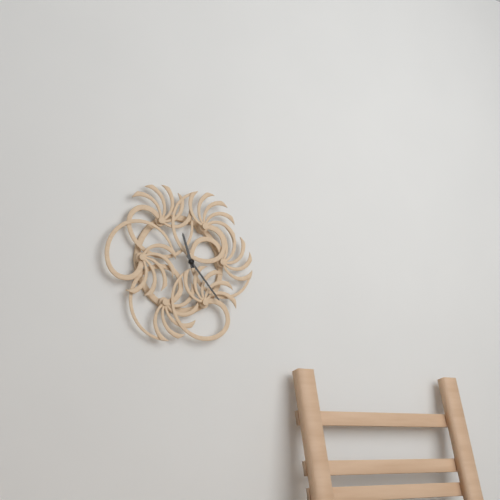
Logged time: 11 h 23 min
